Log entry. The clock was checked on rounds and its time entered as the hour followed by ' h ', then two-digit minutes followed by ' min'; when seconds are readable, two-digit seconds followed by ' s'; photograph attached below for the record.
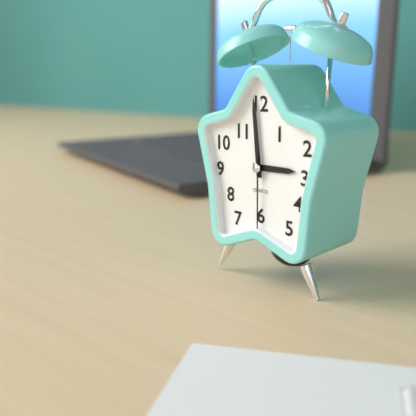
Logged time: 2 h 59 min 30 s
